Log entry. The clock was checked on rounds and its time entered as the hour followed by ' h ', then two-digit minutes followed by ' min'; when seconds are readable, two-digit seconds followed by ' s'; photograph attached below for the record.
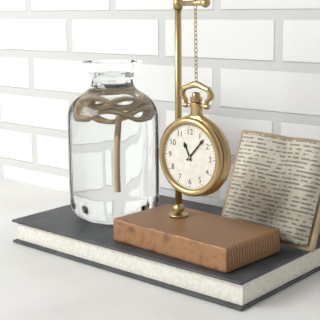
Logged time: 11 h 07 min
